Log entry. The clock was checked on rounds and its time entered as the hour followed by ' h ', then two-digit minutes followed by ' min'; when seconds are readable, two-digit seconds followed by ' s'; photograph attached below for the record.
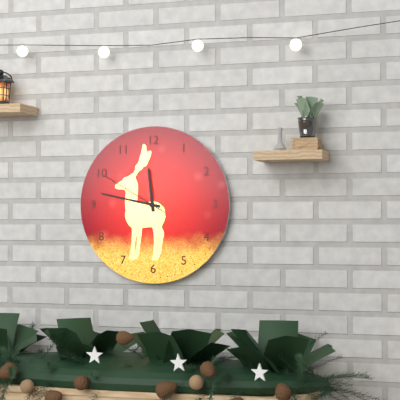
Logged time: 11 h 47 min 50 s
